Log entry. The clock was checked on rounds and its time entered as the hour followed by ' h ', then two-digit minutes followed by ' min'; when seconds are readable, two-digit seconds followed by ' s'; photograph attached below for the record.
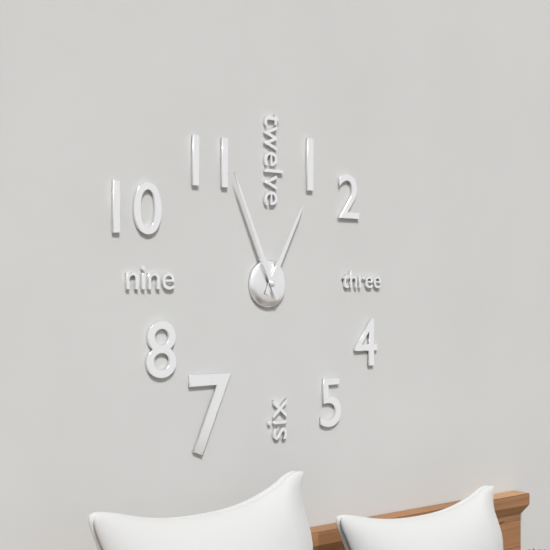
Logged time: 12 h 56 min
